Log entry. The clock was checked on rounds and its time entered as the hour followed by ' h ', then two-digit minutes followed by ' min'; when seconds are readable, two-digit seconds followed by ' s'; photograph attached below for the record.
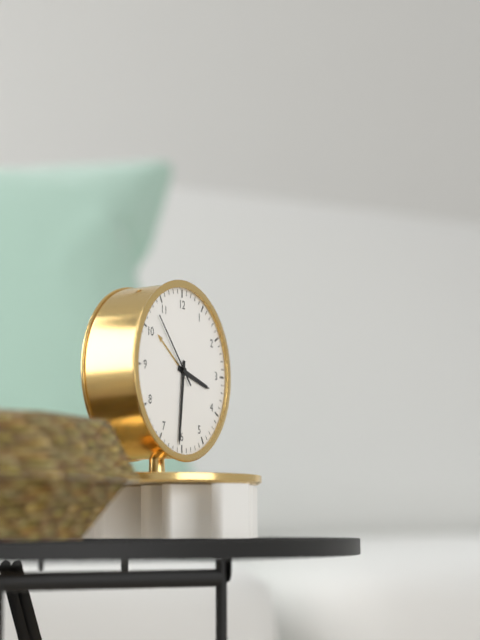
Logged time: 3 h 31 min 53 s
